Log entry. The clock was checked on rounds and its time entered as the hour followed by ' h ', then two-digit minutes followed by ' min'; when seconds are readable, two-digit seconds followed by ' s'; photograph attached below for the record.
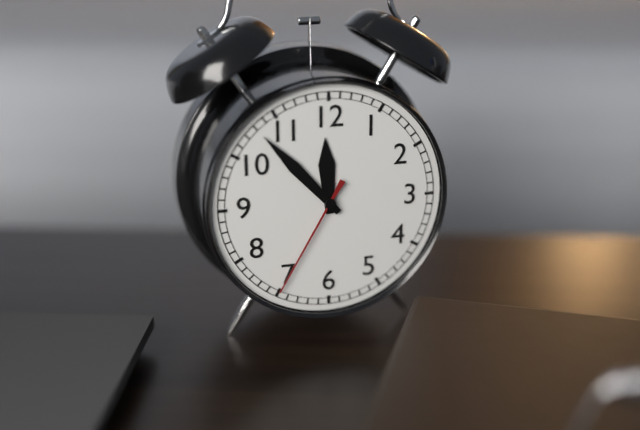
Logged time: 11 h 53 min 35 s
